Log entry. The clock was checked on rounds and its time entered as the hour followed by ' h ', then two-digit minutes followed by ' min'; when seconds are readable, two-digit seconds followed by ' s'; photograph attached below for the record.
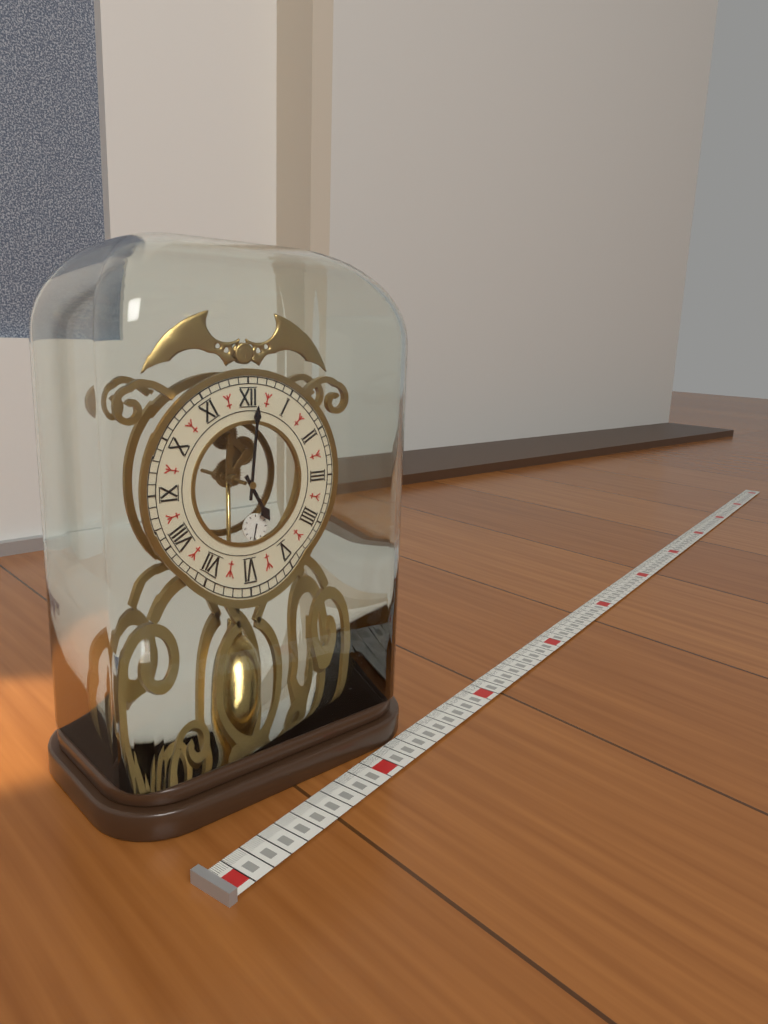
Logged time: 5 h 01 min
